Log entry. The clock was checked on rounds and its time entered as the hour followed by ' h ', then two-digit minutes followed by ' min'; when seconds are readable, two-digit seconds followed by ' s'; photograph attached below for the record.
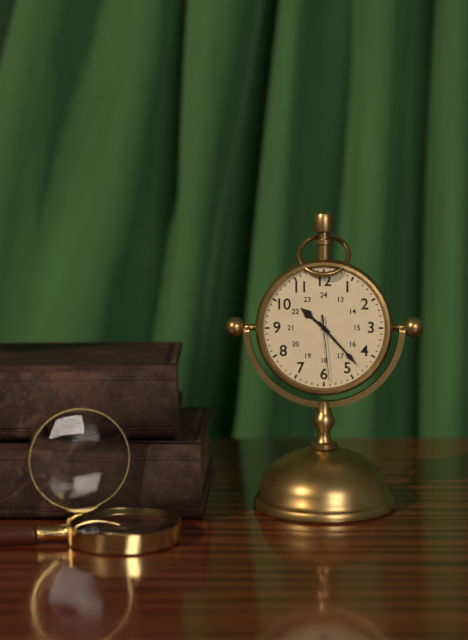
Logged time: 10 h 23 min 29 s
